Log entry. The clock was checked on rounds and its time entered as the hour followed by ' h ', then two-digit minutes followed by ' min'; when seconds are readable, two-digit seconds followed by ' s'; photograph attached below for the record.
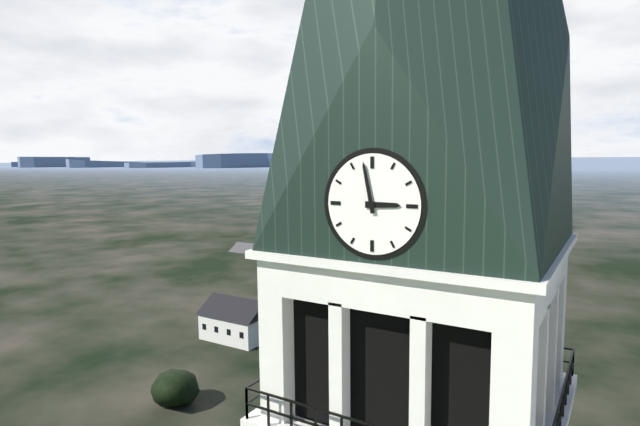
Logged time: 2 h 58 min
